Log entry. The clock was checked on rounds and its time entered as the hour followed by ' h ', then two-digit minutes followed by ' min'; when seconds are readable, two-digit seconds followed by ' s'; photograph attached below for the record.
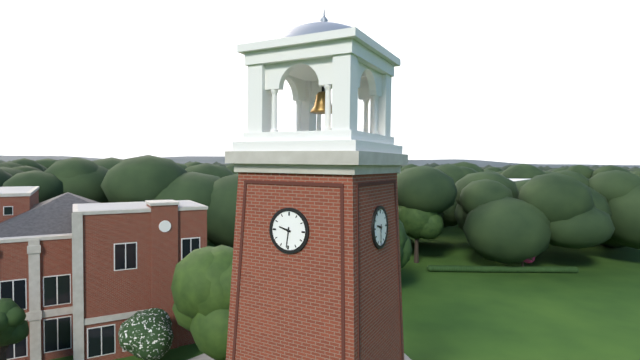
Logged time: 9 h 31 min
